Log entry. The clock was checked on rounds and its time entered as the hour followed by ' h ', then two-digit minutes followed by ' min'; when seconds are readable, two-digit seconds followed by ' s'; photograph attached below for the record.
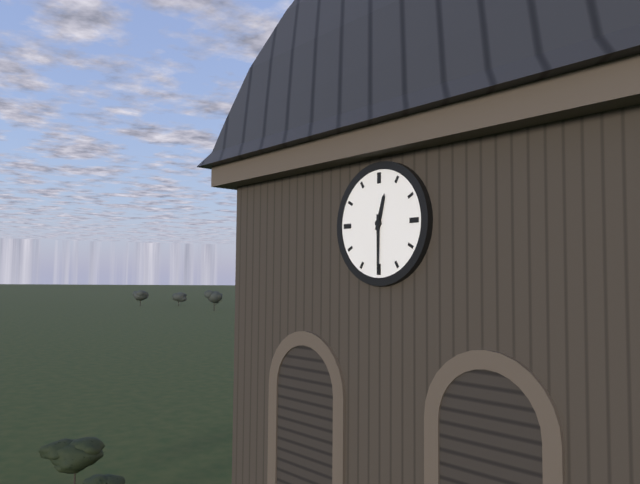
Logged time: 12 h 30 min
